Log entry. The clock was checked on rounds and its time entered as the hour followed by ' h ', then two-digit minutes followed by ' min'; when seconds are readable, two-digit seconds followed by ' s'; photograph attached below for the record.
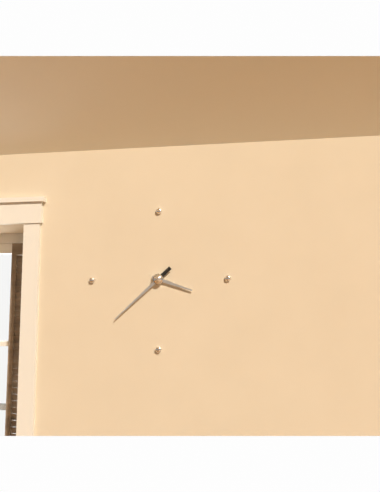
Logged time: 3 h 38 min
